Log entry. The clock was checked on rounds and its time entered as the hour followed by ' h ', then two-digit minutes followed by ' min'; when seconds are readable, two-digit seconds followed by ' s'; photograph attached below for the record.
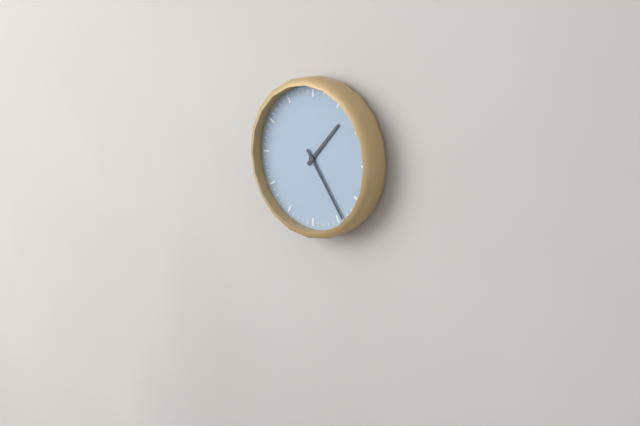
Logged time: 1 h 24 min
